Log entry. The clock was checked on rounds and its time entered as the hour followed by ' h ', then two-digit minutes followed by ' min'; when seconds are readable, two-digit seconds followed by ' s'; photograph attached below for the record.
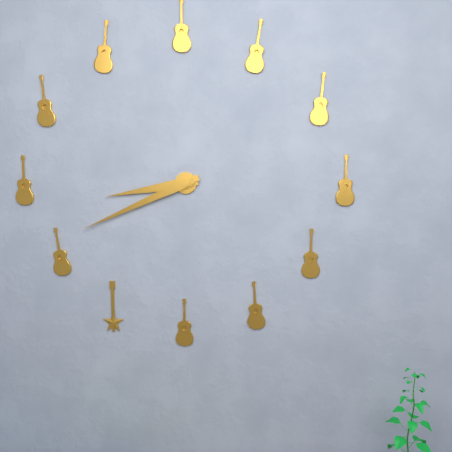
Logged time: 8 h 41 min
